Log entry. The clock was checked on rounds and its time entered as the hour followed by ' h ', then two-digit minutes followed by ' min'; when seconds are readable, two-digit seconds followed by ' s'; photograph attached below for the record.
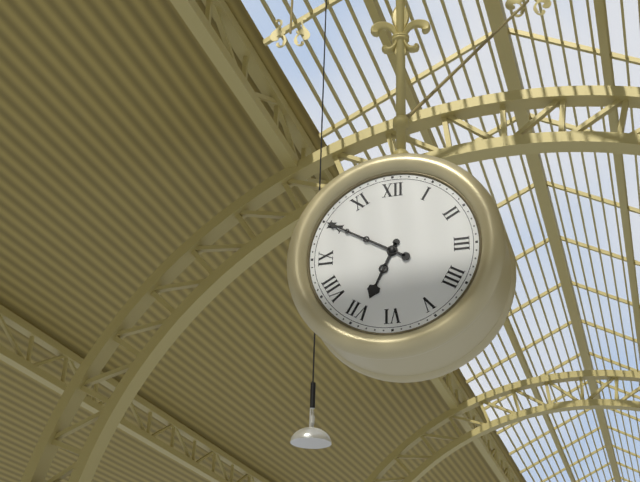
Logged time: 6 h 50 min
